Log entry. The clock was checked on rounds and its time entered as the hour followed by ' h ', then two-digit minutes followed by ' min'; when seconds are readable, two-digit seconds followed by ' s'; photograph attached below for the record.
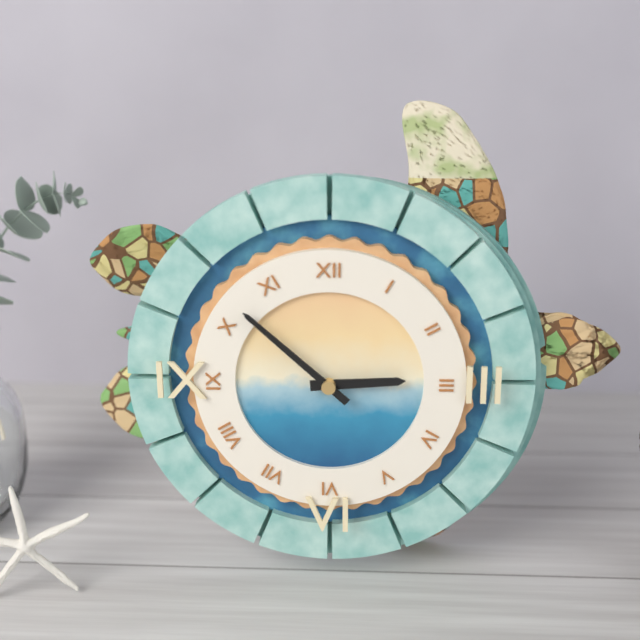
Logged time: 2 h 52 min
